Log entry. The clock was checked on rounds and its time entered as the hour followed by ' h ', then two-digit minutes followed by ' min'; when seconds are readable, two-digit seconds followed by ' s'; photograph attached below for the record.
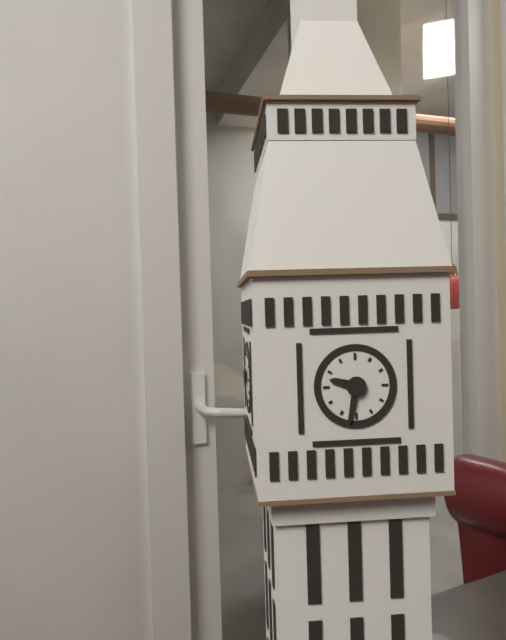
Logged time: 9 h 32 min
